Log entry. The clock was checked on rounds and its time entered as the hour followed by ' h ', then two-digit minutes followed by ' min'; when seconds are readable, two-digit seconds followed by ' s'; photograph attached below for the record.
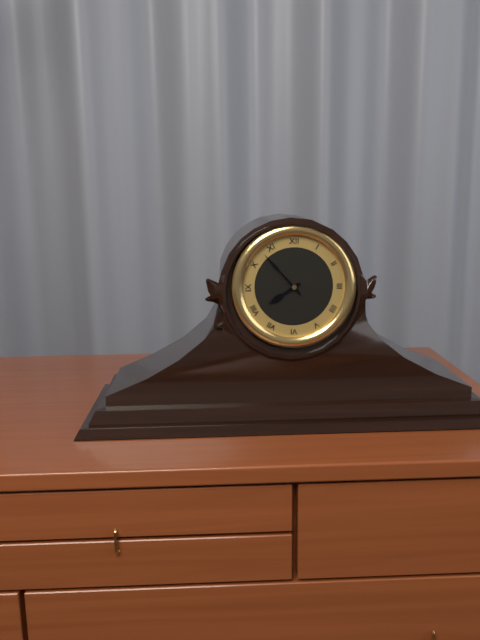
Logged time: 7 h 53 min
